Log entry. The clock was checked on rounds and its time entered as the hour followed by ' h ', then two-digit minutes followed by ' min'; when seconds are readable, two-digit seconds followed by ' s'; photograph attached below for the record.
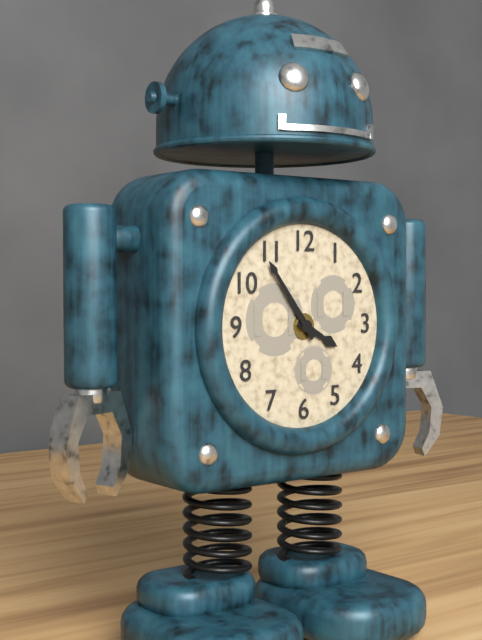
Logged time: 3 h 54 min
